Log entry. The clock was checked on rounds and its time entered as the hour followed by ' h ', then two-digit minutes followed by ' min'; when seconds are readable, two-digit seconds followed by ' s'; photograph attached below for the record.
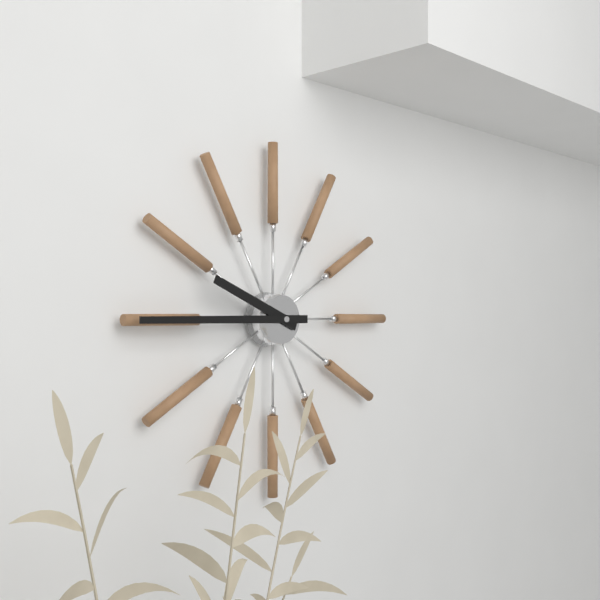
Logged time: 9 h 45 min
